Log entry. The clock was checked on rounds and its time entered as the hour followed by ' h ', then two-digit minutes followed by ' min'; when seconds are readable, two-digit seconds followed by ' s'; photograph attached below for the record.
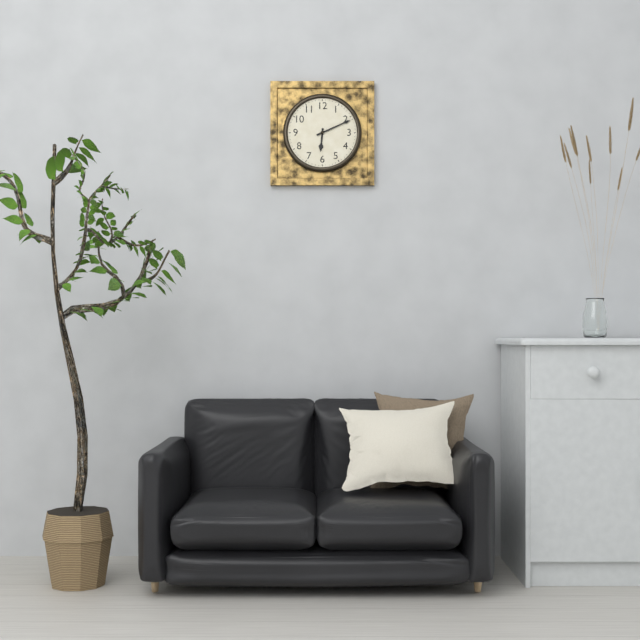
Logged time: 6 h 11 min
